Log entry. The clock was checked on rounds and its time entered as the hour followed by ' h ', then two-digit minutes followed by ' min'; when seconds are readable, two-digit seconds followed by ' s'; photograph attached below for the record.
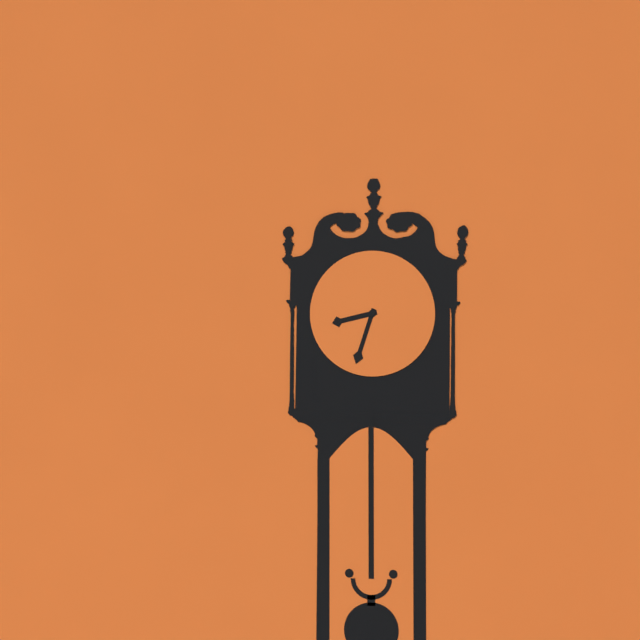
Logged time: 8 h 33 min
